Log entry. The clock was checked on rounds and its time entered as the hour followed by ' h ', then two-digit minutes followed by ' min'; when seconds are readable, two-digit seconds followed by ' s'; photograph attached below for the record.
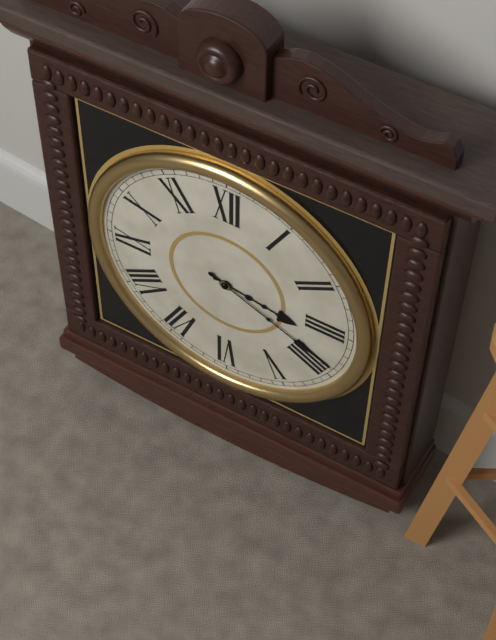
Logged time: 3 h 19 min
